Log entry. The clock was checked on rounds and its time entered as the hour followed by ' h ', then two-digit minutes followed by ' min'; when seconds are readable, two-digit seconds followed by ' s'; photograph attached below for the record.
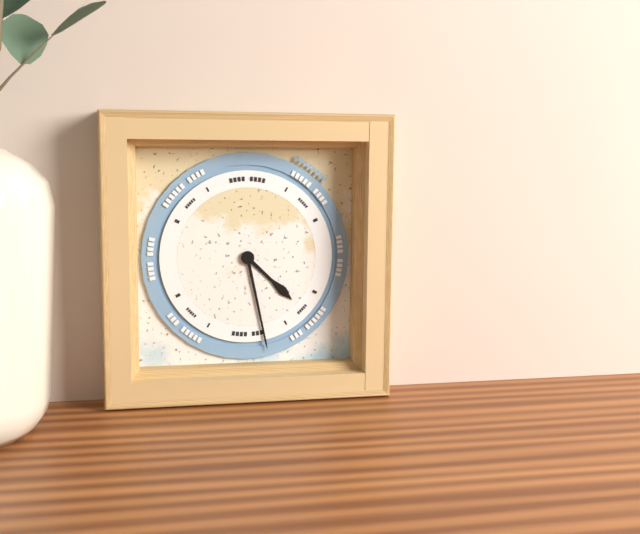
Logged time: 4 h 28 min
